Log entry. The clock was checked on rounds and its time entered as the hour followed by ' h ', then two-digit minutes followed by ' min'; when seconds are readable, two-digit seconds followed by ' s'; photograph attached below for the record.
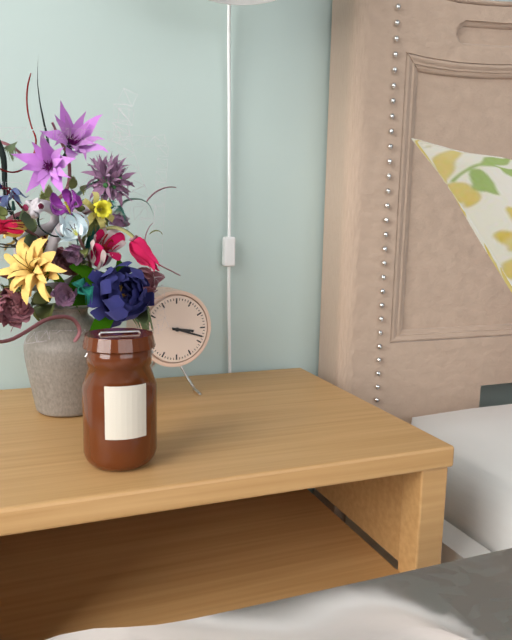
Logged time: 3 h 18 min
